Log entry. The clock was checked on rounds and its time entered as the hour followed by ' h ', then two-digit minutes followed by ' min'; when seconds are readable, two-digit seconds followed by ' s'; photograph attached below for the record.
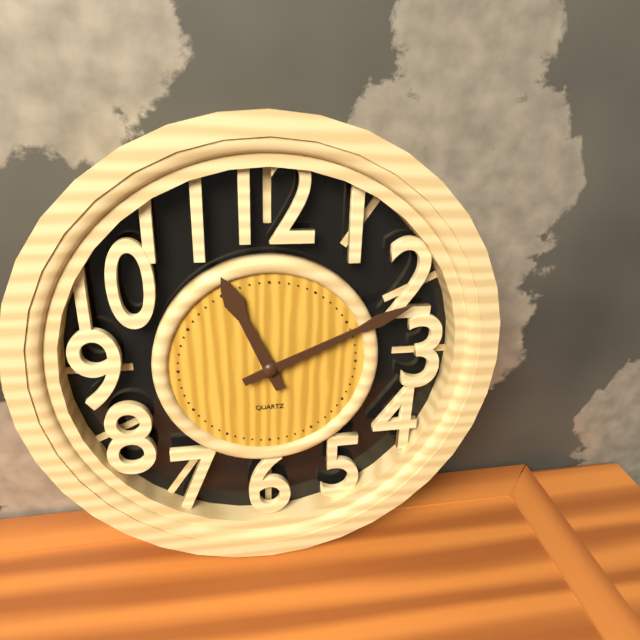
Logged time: 11 h 11 min
